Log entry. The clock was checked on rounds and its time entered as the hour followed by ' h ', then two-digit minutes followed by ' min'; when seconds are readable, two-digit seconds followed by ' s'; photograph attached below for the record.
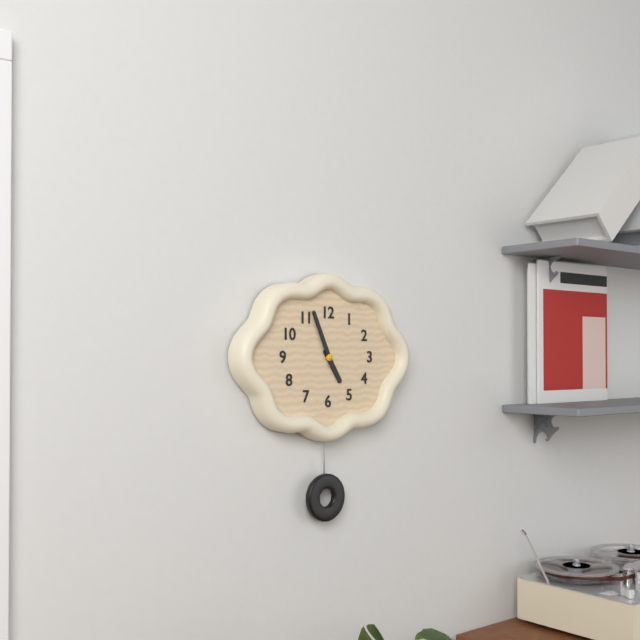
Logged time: 4 h 56 min
